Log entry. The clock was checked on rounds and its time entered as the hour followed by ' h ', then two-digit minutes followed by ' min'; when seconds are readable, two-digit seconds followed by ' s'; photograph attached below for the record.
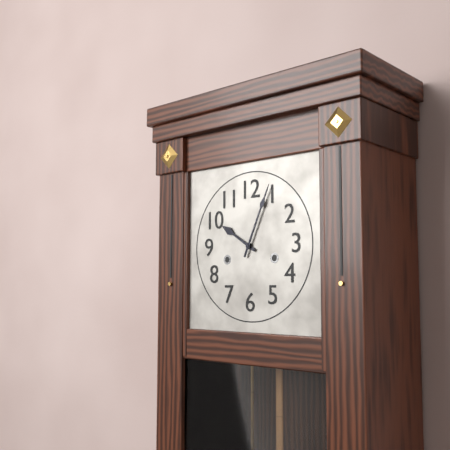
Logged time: 10 h 04 min
